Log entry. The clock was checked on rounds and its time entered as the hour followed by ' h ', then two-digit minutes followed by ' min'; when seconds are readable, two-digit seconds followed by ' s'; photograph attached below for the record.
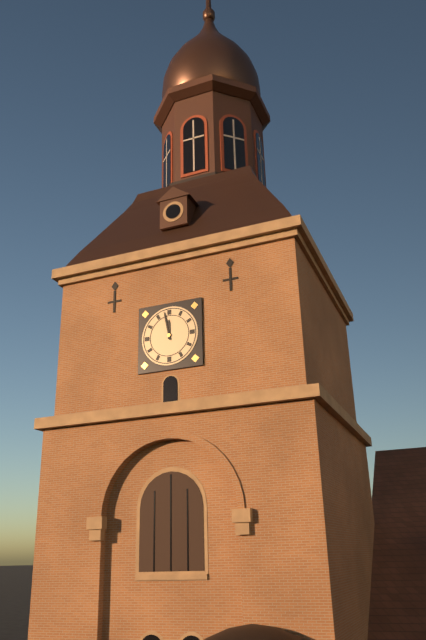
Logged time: 11 h 58 min
